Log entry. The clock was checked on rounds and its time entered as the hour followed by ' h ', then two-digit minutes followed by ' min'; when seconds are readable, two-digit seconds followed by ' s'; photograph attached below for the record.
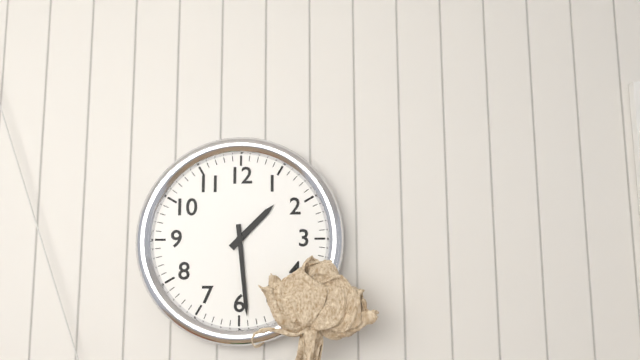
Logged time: 1 h 29 min
